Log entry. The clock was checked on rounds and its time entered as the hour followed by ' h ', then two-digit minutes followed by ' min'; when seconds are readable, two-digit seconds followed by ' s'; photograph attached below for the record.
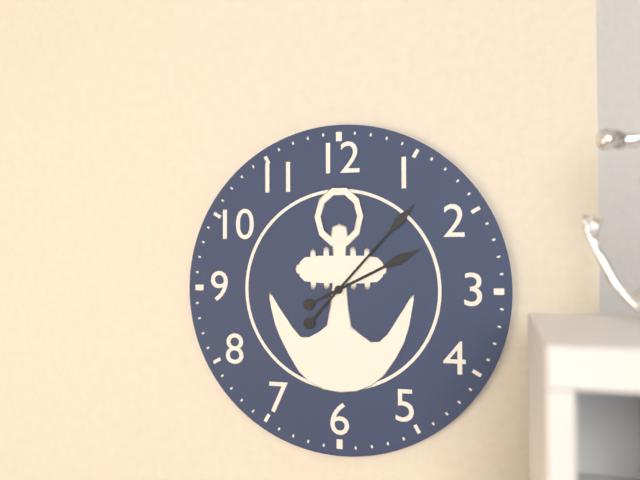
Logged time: 2 h 07 min
